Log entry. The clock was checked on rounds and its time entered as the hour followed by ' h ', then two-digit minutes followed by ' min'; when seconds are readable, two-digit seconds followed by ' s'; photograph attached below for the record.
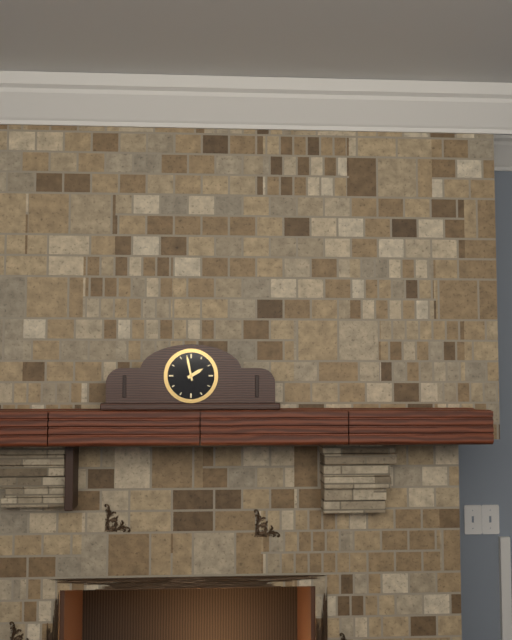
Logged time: 1 h 58 min
